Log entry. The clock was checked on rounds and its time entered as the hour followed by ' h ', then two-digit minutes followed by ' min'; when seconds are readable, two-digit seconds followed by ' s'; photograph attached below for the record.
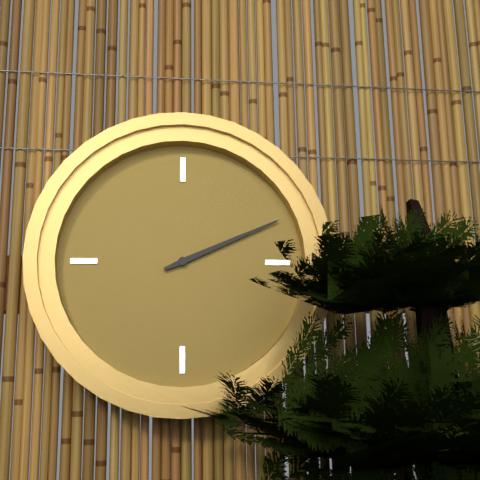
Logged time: 2 h 11 min
